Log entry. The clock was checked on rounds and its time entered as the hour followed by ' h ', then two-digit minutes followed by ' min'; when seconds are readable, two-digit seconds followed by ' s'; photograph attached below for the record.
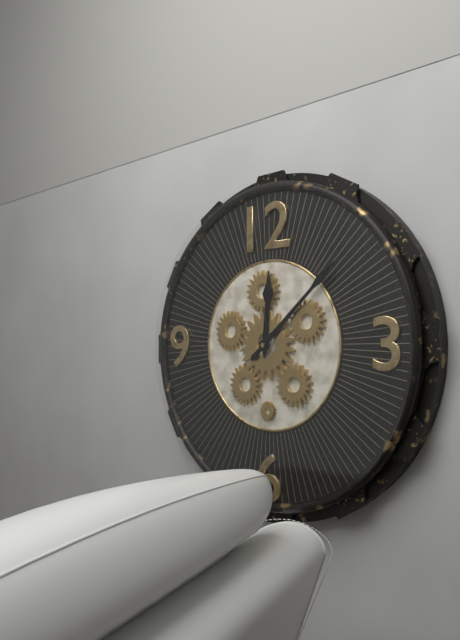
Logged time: 12 h 08 min
